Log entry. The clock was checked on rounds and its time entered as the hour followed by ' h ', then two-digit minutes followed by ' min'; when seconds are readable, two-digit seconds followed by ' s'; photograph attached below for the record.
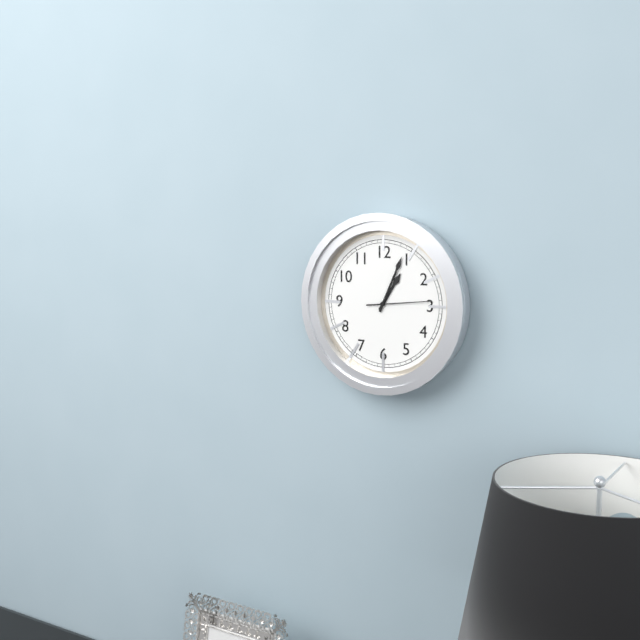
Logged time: 1 h 04 min 14 s
